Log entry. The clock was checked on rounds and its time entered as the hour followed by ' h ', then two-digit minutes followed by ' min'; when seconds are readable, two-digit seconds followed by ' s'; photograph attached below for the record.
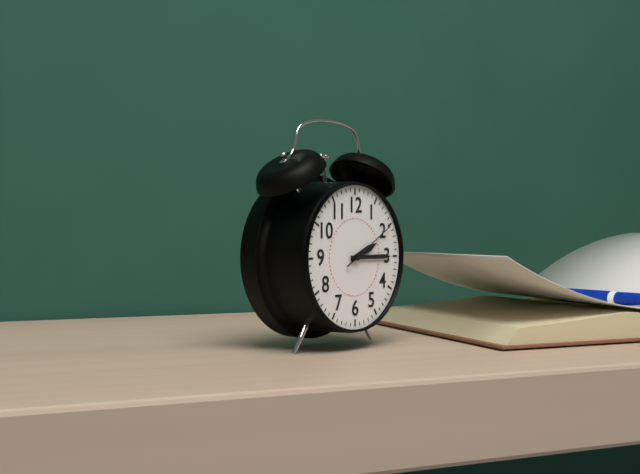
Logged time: 2 h 15 min 10 s
